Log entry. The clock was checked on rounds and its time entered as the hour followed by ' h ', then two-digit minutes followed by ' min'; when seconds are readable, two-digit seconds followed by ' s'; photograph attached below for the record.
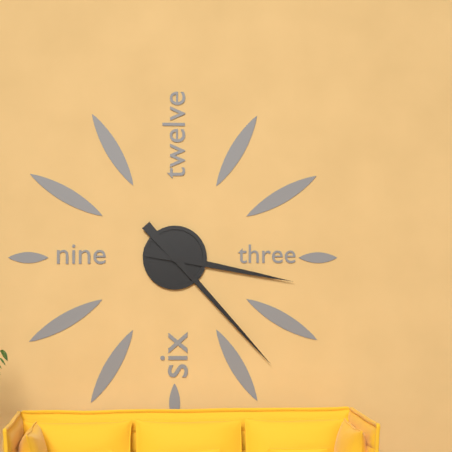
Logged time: 3 h 23 min
